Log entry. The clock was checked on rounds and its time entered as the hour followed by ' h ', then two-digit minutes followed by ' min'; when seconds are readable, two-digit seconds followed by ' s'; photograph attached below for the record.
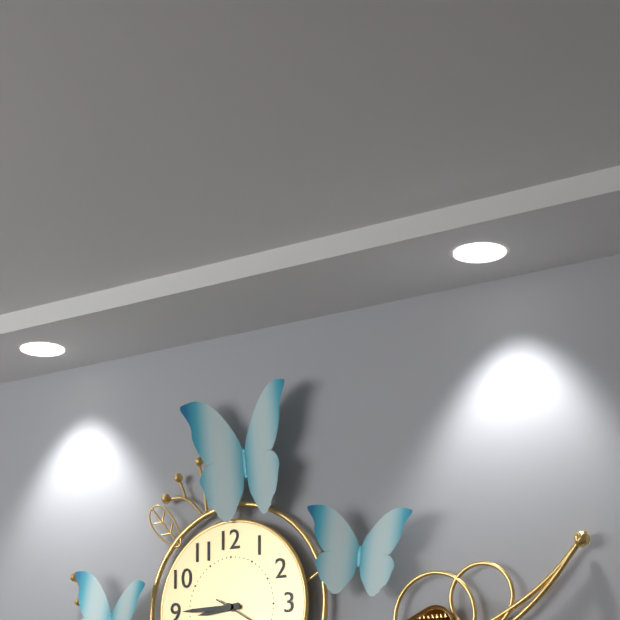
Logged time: 8 h 45 min
